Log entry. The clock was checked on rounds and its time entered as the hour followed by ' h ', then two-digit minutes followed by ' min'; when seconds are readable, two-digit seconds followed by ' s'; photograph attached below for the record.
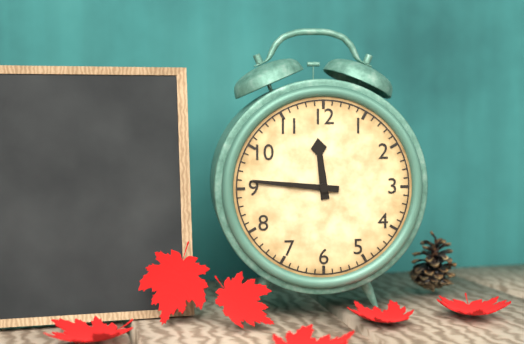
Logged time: 11 h 46 min
